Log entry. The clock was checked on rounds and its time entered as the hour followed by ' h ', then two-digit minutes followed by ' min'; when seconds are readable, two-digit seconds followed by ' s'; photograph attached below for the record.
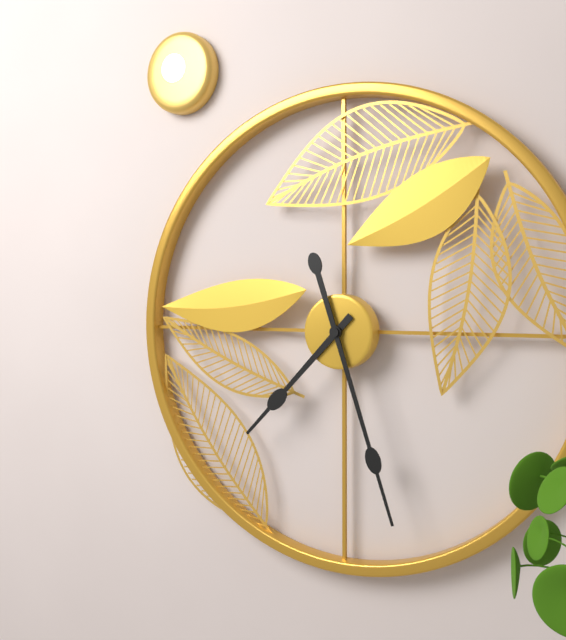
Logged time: 7 h 27 min
